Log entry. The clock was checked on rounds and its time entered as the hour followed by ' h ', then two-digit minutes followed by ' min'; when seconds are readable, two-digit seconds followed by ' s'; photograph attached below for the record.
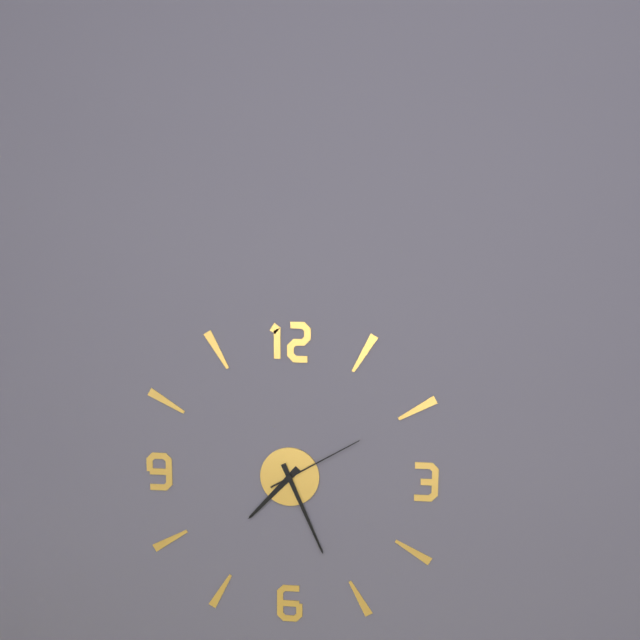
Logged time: 7 h 26 min 10 s
